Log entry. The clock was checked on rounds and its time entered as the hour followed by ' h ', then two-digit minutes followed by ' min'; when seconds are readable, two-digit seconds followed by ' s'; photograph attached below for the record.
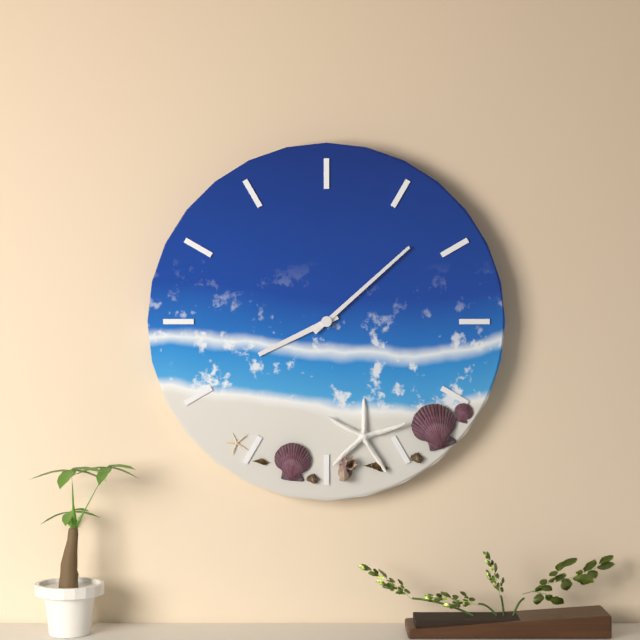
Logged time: 8 h 08 min
